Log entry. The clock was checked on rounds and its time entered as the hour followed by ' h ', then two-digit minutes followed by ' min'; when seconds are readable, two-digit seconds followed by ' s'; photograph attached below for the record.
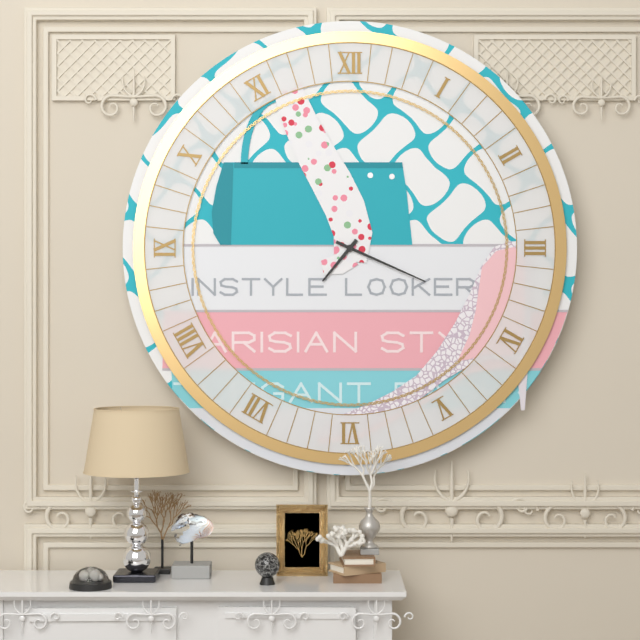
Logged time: 7 h 19 min
